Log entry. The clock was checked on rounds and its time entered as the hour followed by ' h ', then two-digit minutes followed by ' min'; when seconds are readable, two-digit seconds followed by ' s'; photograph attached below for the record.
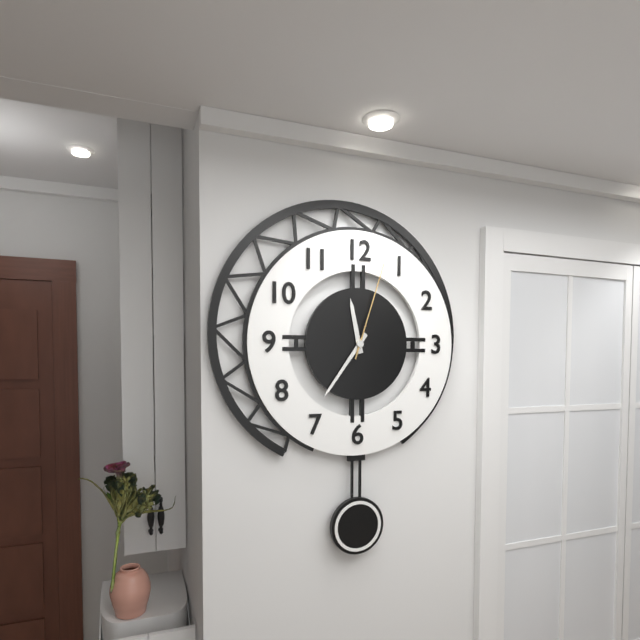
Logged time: 11 h 36 min 03 s
